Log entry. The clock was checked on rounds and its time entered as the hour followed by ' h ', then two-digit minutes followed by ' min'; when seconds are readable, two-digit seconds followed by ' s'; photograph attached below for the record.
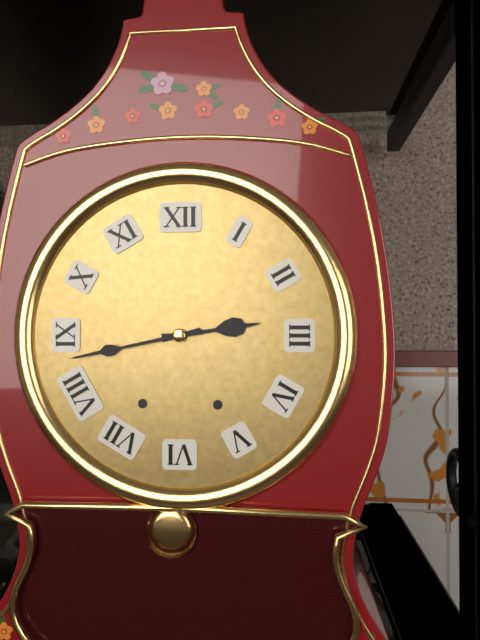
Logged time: 2 h 43 min
